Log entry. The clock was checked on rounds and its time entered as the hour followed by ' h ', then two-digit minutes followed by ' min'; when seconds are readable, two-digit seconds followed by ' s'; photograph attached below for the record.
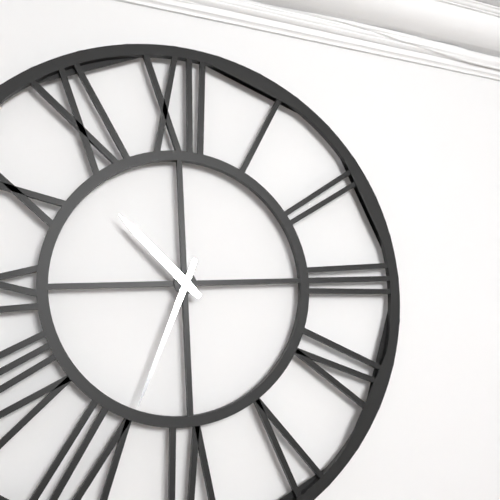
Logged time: 10 h 34 min
